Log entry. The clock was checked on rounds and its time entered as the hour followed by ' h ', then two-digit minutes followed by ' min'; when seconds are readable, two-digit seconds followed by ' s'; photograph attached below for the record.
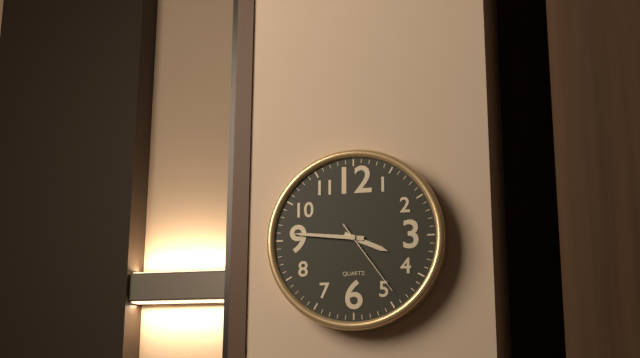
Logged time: 3 h 46 min 24 s
